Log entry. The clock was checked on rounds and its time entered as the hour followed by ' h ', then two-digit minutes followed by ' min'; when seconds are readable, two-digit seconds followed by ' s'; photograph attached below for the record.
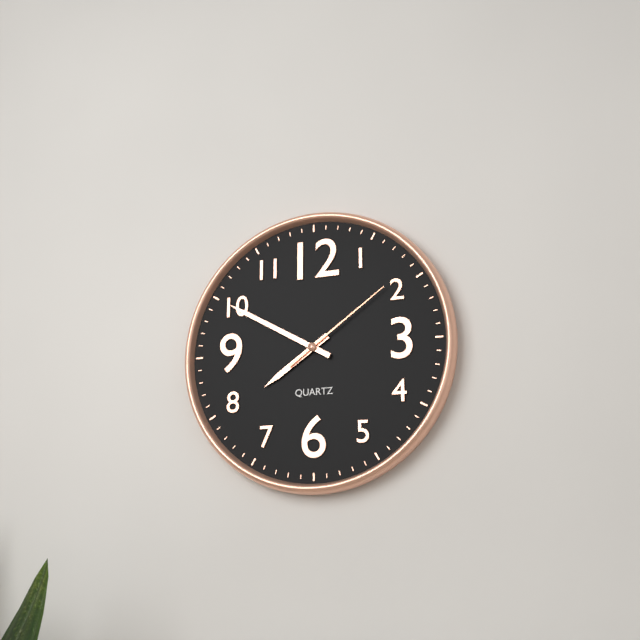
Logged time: 7 h 50 min 09 s
